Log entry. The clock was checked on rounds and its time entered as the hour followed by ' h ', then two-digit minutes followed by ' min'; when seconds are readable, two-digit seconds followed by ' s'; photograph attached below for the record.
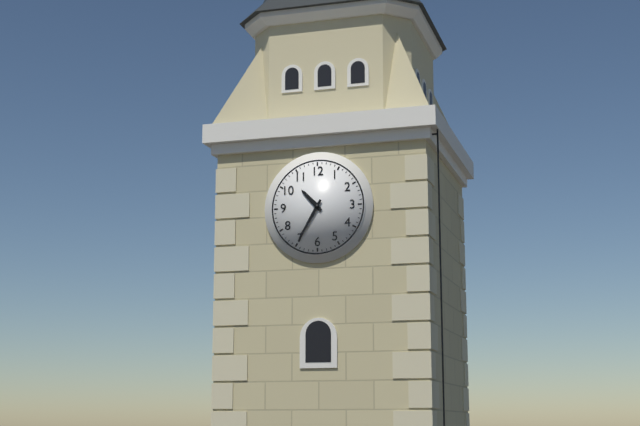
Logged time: 10 h 35 min
